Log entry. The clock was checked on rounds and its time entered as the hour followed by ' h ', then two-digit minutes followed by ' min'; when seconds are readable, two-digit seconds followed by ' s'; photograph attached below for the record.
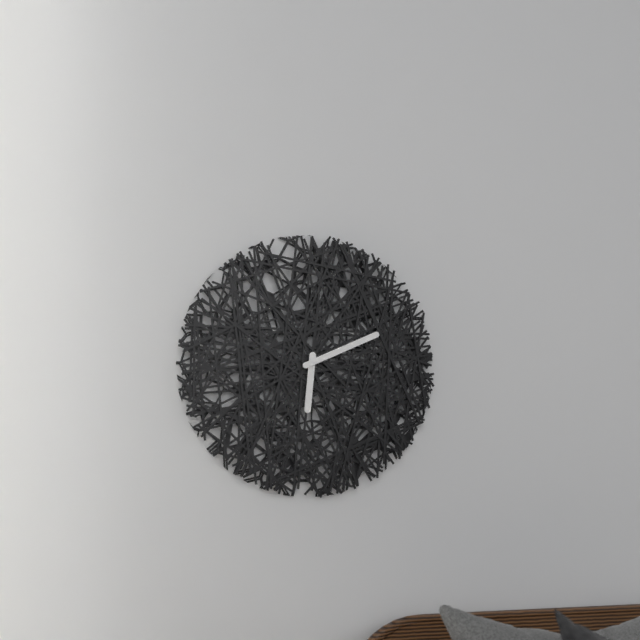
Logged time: 6 h 11 min
